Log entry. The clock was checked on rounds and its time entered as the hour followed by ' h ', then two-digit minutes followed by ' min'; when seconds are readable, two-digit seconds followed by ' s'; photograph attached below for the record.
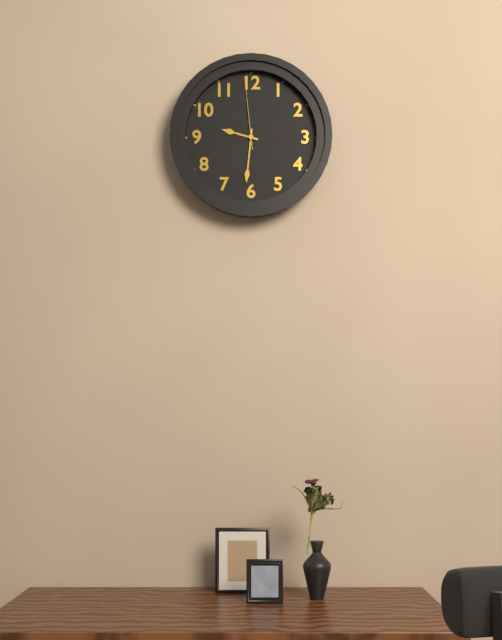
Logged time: 9 h 31 min 59 s
